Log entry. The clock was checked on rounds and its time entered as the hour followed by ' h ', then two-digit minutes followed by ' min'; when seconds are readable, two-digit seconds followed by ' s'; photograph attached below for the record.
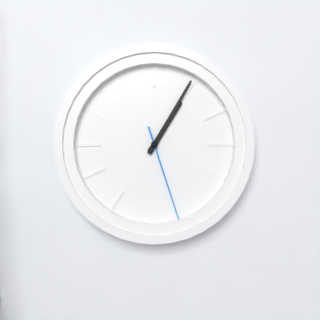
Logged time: 1 h 05 min 27 s
